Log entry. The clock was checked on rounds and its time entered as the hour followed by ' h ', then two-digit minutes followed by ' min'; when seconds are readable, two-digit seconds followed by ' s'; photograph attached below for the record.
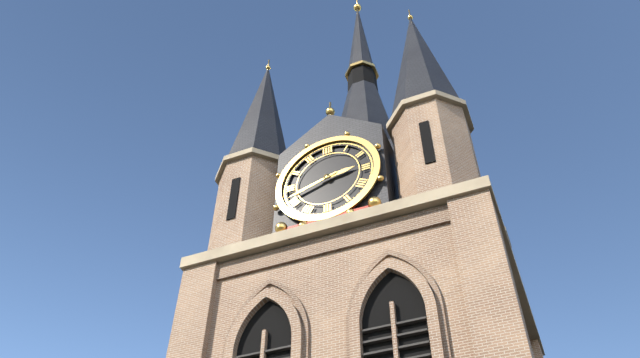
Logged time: 2 h 42 min
